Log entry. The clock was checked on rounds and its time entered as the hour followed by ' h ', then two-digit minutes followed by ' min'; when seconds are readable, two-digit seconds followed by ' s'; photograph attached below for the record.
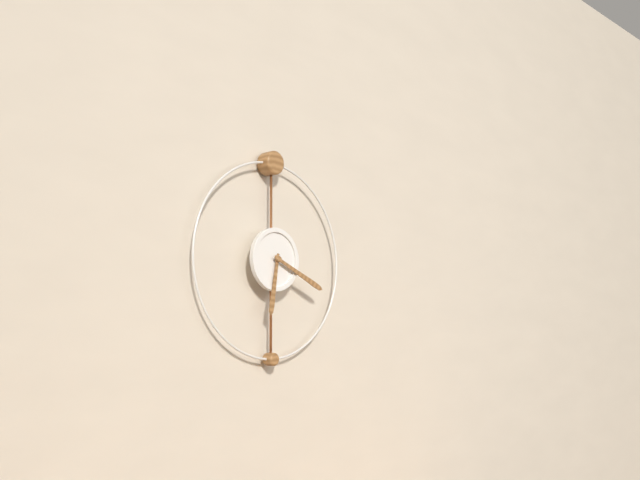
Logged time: 6 h 19 min
